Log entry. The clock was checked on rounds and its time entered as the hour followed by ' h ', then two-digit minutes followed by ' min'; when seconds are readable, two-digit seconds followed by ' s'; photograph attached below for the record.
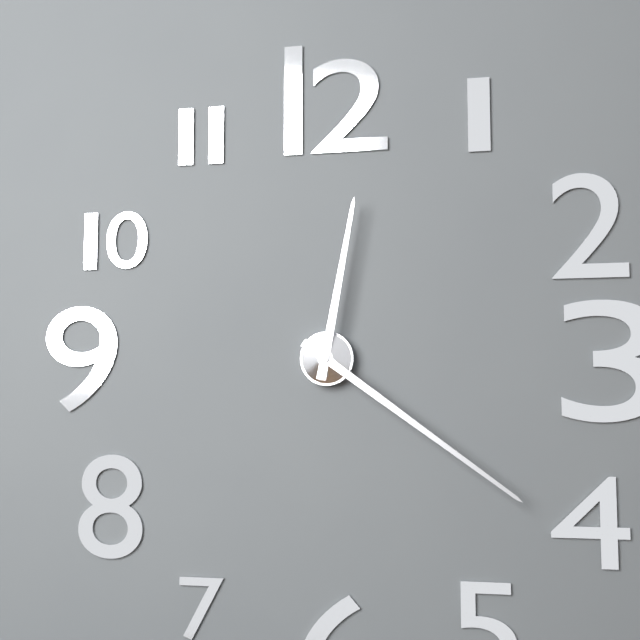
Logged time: 12 h 21 min
